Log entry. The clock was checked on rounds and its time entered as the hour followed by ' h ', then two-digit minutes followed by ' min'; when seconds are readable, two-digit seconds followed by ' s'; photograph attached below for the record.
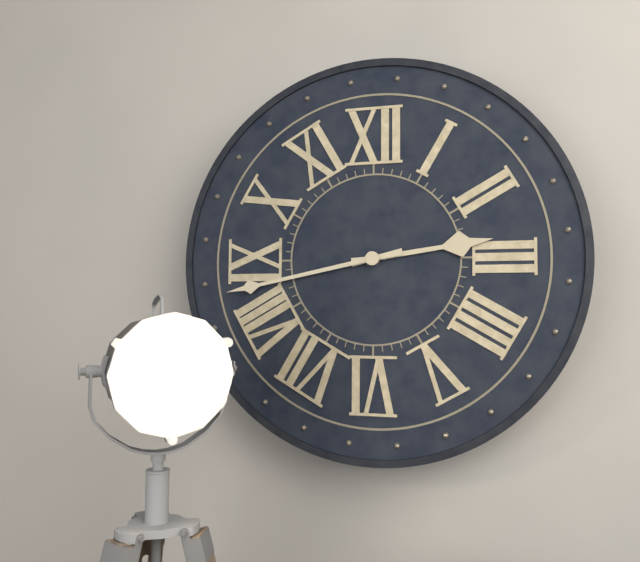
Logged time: 2 h 43 min
